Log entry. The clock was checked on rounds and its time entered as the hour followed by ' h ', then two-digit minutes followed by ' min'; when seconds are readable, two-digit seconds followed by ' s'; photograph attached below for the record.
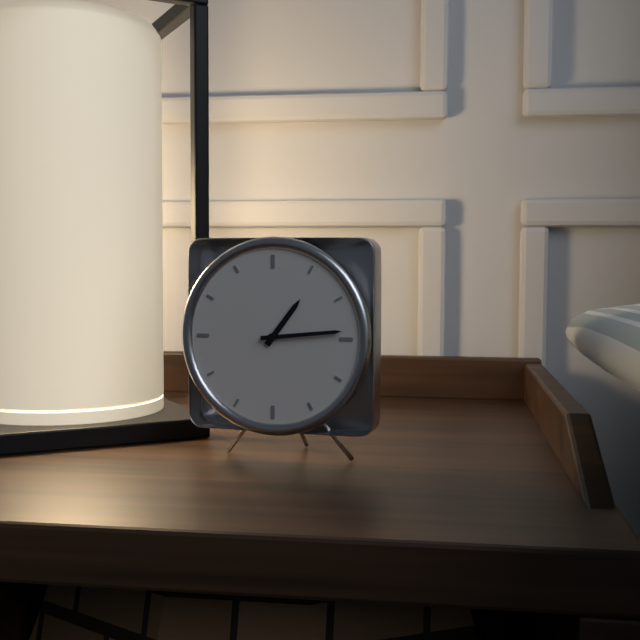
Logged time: 1 h 14 min
